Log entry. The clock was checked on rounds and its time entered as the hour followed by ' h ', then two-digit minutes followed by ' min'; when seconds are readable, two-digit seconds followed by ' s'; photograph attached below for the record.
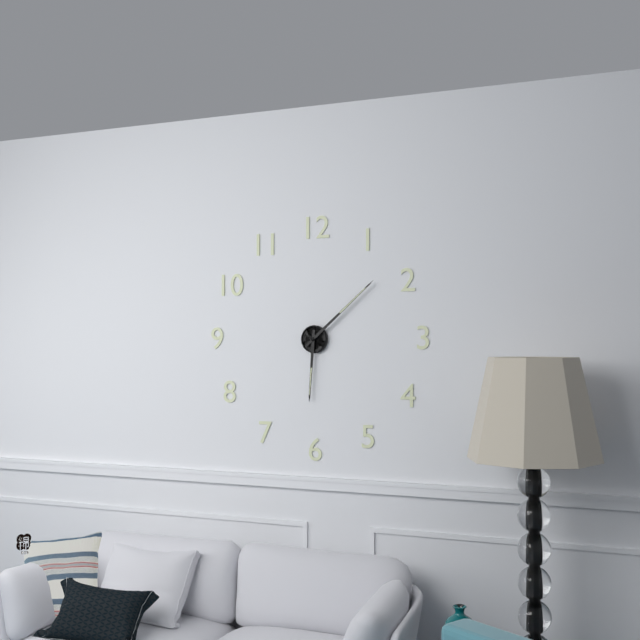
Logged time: 6 h 08 min
